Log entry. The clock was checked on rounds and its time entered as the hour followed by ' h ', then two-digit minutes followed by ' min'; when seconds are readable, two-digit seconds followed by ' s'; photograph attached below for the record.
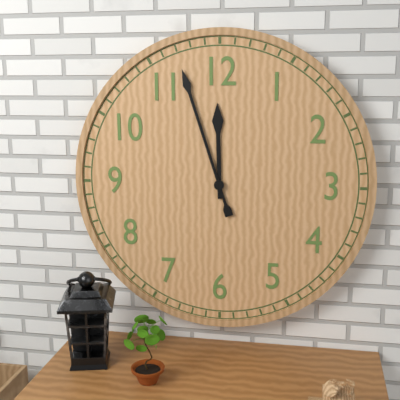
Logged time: 11 h 57 min
